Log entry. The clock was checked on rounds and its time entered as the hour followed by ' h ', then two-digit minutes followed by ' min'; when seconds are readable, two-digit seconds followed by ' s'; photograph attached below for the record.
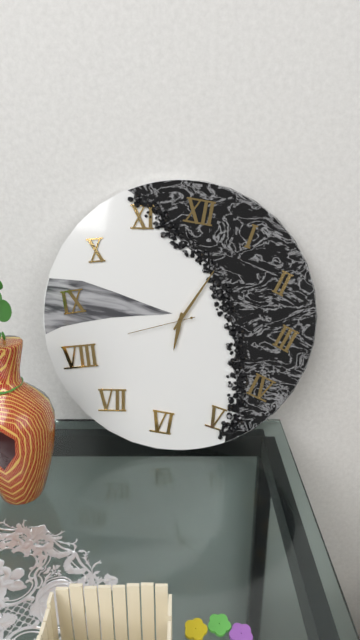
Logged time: 6 h 04 min 41 s
